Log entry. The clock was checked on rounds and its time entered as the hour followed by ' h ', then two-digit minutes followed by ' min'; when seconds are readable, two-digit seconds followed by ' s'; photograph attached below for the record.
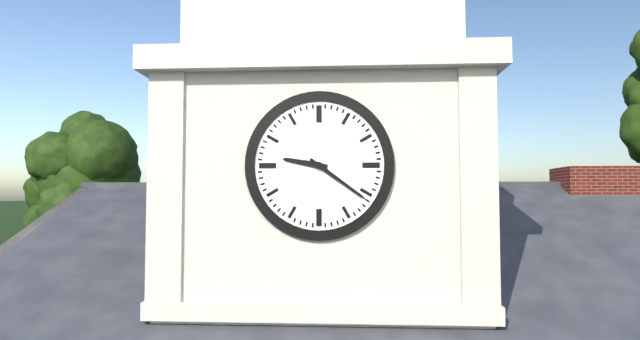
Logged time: 9 h 21 min
